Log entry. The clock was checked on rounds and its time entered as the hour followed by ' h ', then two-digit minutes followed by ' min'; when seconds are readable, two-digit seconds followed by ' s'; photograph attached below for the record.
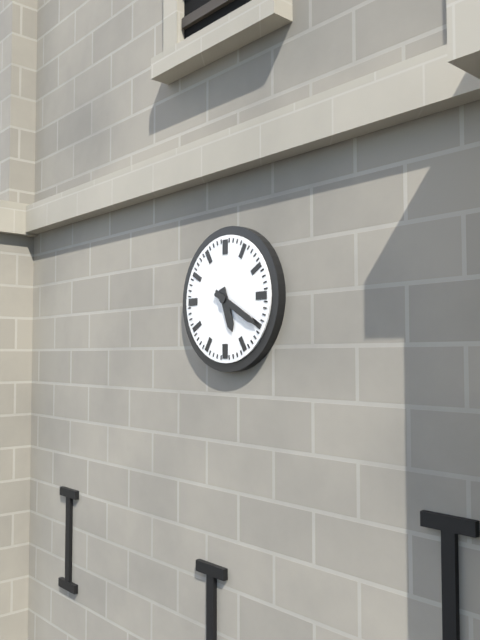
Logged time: 5 h 20 min
